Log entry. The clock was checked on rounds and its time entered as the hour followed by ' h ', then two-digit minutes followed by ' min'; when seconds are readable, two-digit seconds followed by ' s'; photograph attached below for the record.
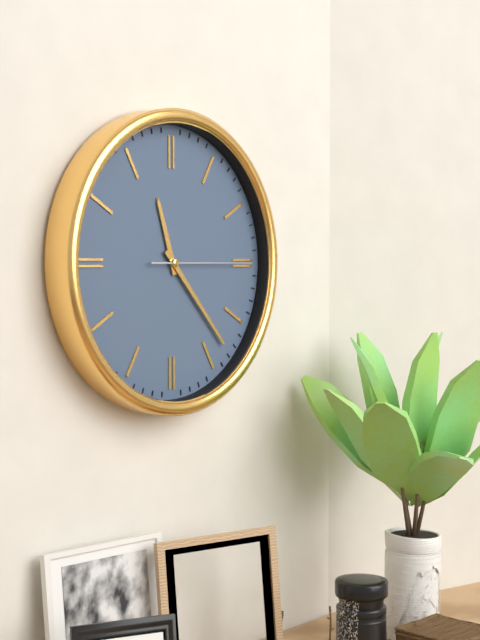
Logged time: 11 h 23 min 15 s
